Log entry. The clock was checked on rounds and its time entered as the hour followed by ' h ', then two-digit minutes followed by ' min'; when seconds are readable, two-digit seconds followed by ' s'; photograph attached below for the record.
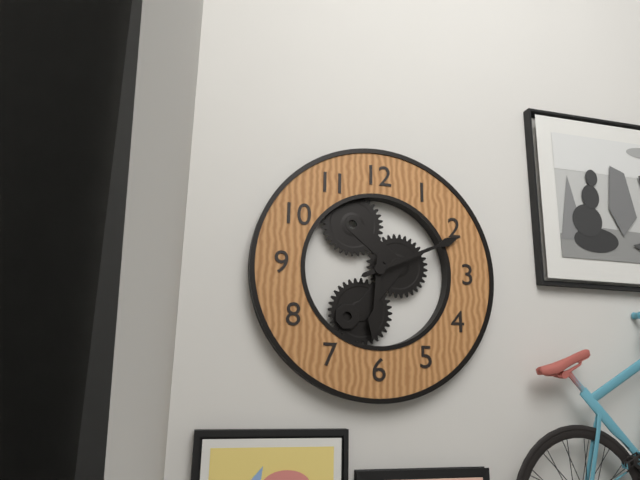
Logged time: 6 h 11 min
